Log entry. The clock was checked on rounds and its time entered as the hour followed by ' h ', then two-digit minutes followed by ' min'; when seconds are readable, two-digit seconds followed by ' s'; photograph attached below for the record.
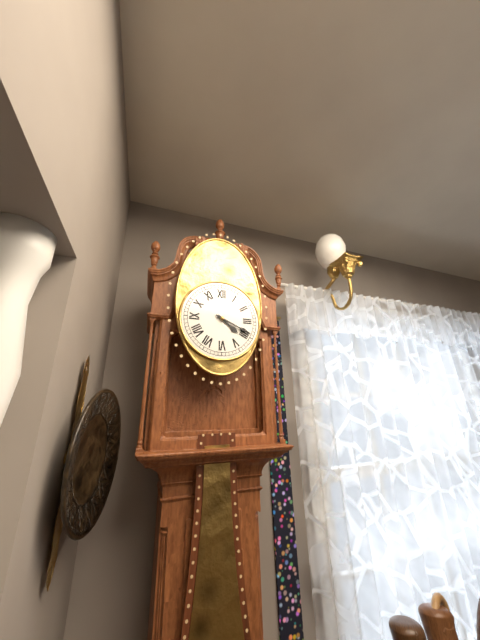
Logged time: 4 h 19 min
